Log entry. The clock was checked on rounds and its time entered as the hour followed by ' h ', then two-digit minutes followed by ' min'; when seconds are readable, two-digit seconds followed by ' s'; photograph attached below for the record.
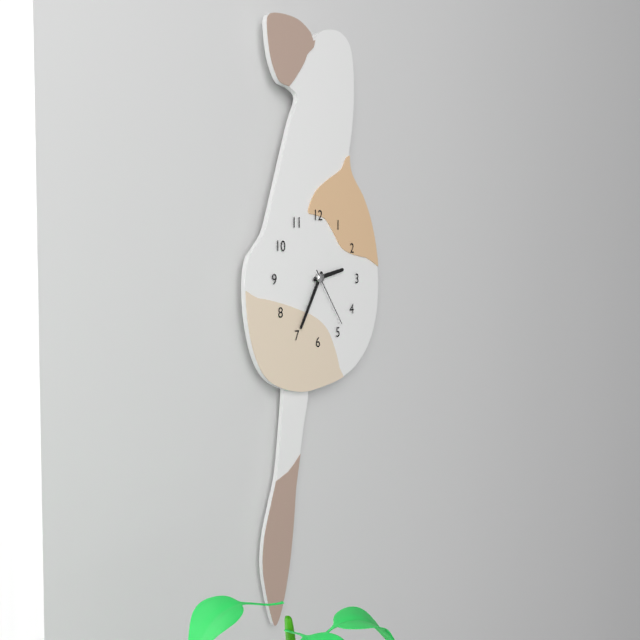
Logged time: 2 h 35 min 24 s
